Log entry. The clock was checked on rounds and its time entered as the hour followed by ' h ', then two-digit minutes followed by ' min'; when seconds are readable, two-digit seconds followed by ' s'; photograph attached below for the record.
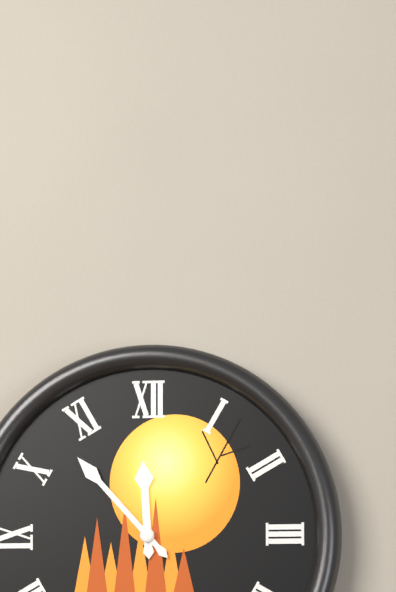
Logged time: 11 h 53 min
